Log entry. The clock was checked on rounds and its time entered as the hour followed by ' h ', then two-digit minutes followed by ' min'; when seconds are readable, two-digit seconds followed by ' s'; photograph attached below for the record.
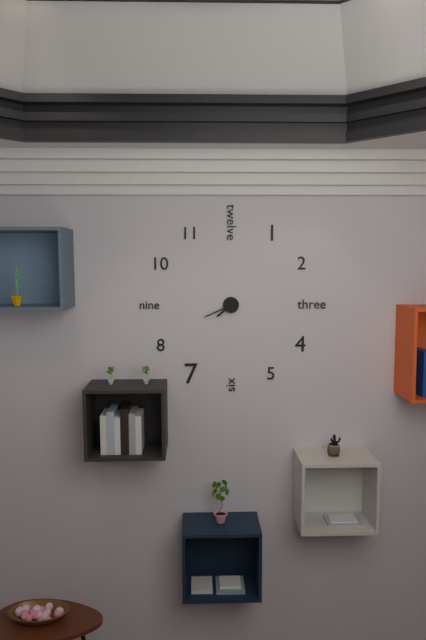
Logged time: 7 h 41 min
